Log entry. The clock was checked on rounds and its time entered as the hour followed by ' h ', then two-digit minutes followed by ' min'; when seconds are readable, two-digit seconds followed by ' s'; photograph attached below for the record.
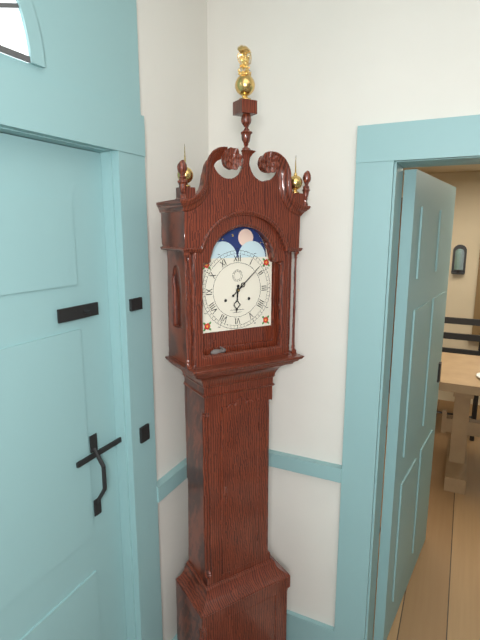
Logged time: 6 h 08 min
